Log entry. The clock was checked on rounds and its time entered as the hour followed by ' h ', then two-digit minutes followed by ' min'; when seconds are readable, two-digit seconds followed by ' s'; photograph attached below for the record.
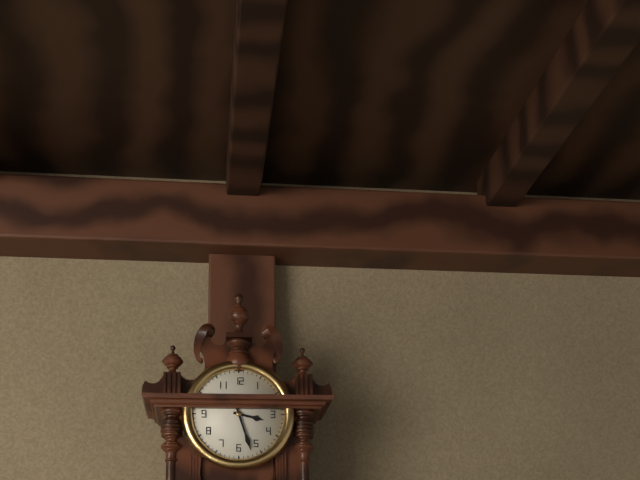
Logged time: 3 h 27 min
